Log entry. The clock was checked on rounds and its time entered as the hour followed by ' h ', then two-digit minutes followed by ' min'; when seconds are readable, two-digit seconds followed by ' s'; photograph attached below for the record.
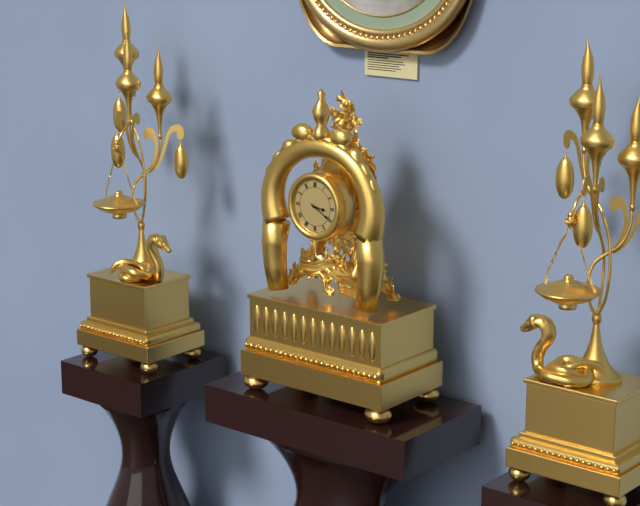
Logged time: 3 h 20 min
